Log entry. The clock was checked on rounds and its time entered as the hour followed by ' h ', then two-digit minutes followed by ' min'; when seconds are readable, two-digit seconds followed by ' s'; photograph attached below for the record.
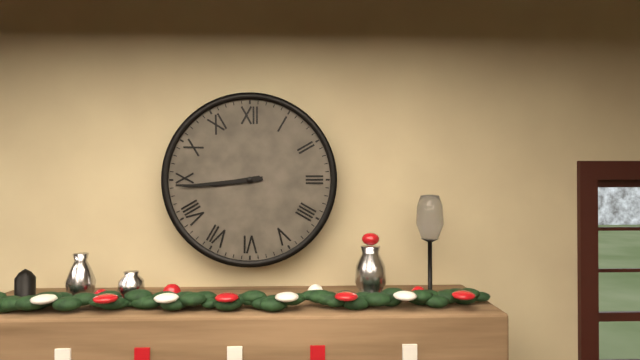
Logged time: 8 h 44 min
